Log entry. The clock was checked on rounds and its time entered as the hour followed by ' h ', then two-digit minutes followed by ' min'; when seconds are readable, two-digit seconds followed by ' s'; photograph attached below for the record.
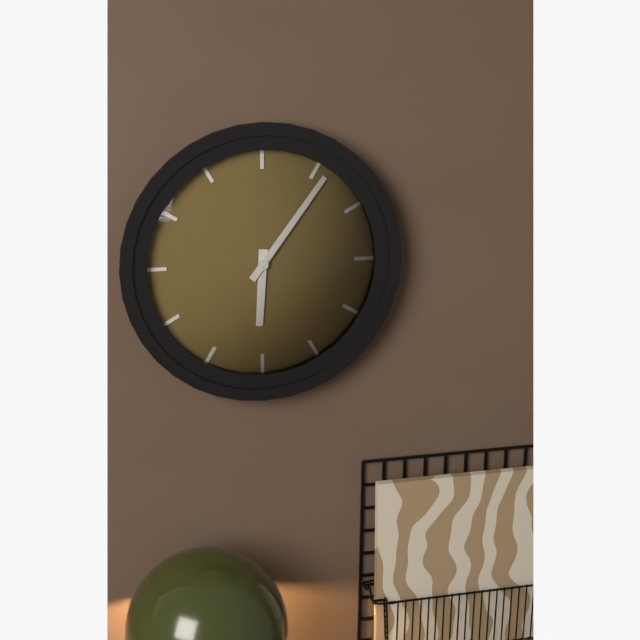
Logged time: 6 h 06 min
